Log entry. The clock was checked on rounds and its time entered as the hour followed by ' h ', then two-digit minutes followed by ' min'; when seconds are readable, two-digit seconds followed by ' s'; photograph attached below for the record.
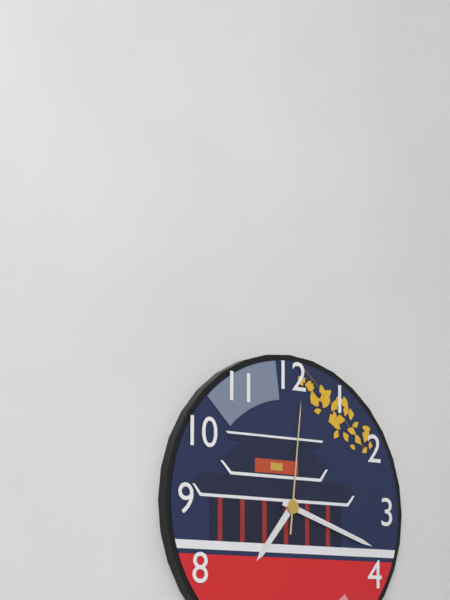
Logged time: 7 h 18 min 01 s
